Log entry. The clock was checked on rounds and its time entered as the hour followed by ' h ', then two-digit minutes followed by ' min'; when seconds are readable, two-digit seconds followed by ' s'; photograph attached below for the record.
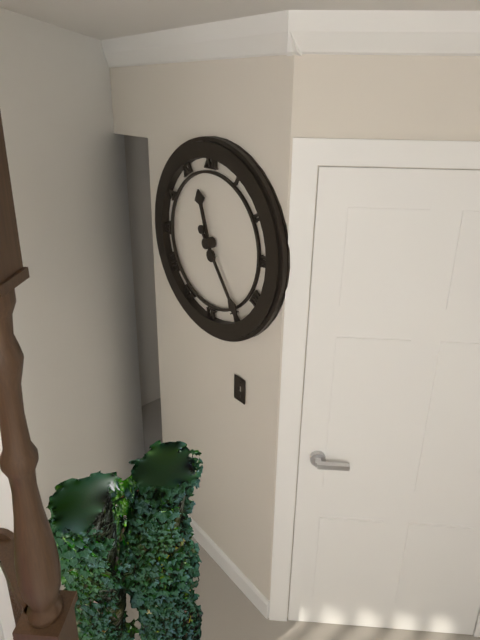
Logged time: 11 h 24 min
